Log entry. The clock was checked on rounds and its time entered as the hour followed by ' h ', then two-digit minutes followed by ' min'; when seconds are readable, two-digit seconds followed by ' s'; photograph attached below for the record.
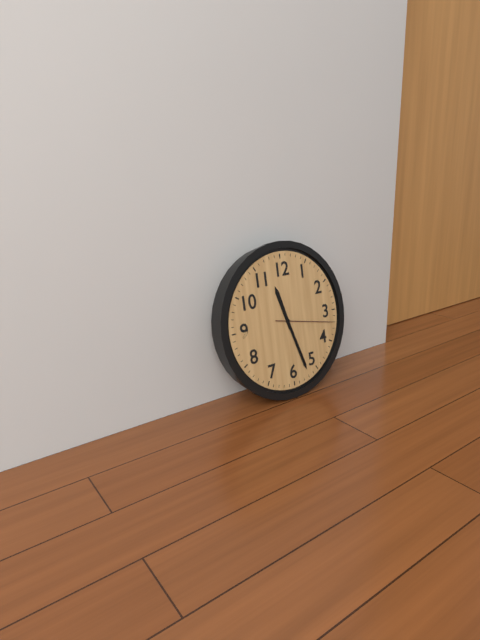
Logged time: 11 h 27 min 17 s
